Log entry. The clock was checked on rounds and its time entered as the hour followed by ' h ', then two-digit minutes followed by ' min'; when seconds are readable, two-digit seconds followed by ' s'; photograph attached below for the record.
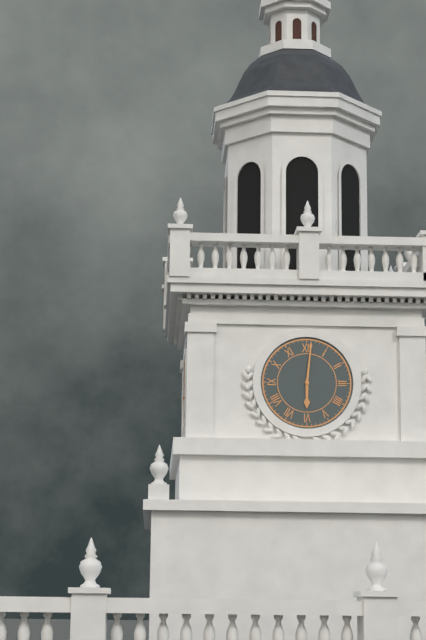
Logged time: 6 h 01 min
